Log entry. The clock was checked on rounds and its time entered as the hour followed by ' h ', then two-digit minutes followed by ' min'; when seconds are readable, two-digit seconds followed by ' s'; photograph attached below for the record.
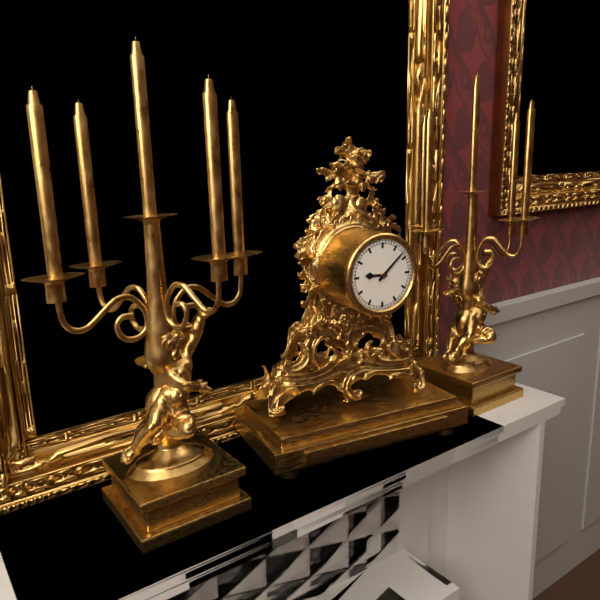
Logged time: 9 h 08 min
